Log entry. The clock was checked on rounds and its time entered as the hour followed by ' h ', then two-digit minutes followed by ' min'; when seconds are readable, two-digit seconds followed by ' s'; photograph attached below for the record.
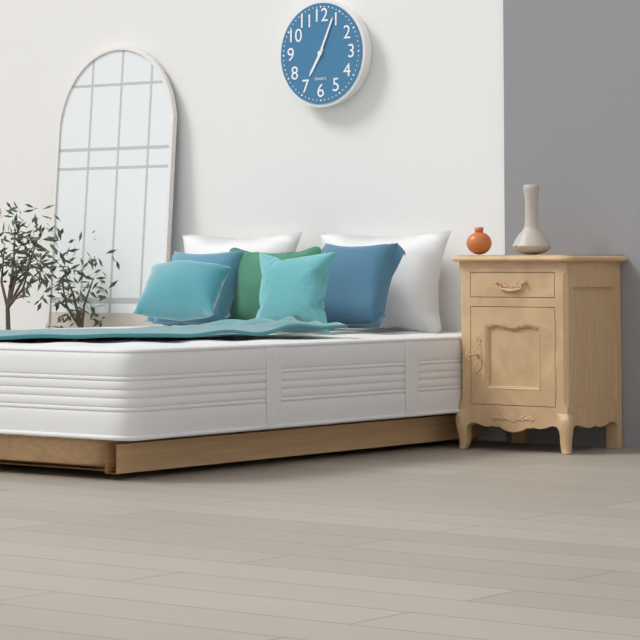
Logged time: 7 h 04 min
